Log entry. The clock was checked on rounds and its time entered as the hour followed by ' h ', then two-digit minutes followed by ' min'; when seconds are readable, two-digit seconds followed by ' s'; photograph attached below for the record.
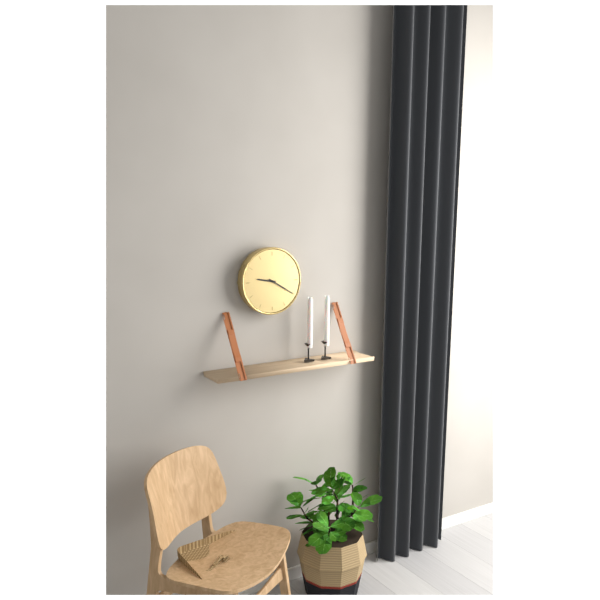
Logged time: 9 h 20 min
